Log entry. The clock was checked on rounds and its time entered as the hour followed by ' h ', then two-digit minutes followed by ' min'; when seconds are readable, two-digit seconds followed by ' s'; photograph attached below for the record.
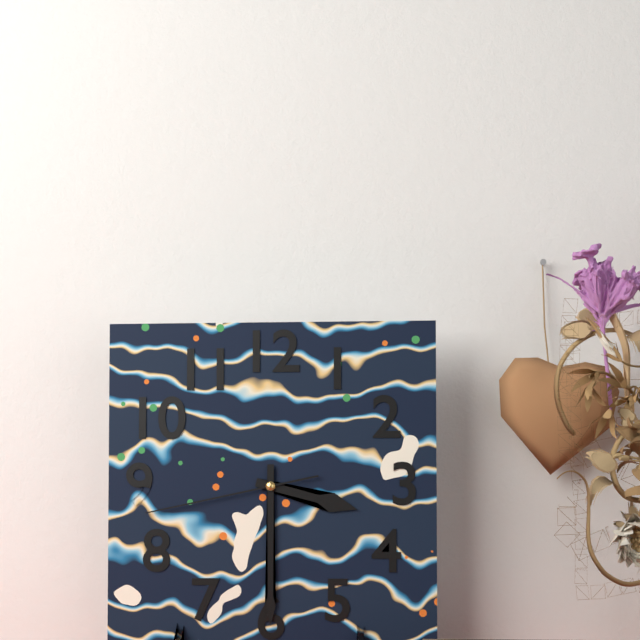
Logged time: 3 h 30 min 43 s
